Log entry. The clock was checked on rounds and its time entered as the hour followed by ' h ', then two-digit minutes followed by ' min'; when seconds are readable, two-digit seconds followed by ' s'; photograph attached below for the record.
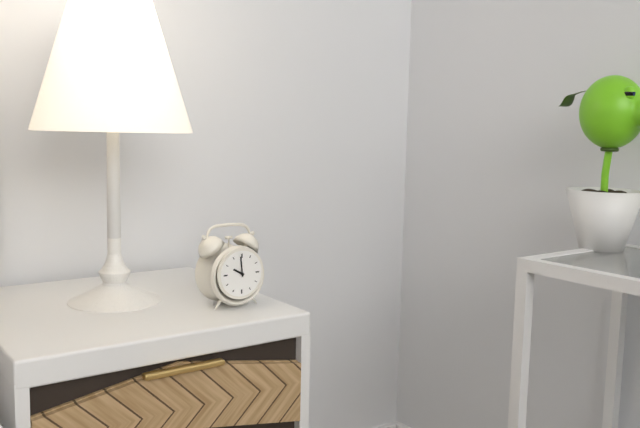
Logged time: 9 h 59 min
